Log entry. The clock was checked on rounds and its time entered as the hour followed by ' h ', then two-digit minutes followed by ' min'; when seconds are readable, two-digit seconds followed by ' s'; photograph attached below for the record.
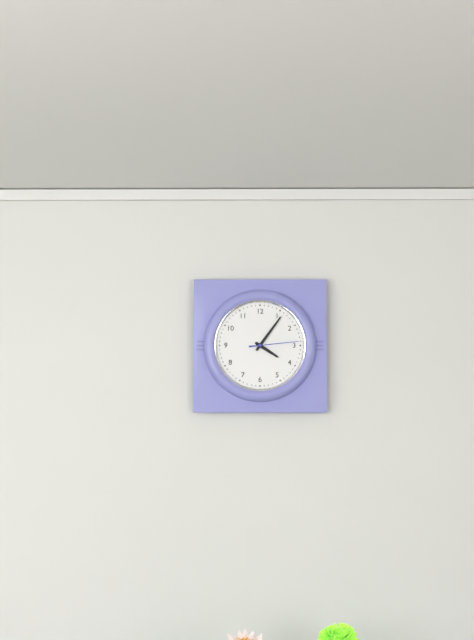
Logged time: 4 h 06 min
